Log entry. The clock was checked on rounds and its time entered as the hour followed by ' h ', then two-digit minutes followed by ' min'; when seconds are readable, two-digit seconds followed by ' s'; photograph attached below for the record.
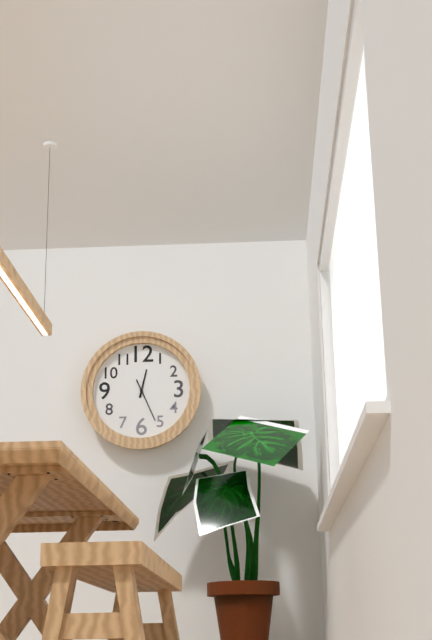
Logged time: 12 h 26 min
